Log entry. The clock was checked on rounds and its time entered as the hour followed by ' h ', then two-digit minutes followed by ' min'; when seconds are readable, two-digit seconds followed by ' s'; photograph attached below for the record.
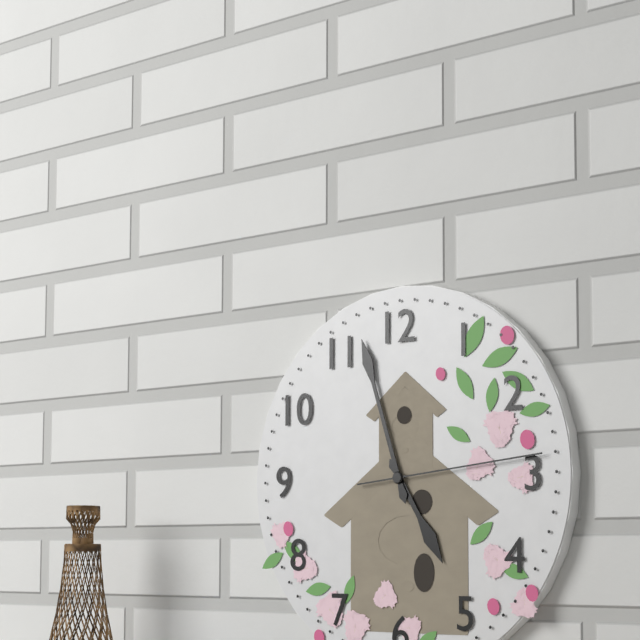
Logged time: 4 h 57 min 14 s
